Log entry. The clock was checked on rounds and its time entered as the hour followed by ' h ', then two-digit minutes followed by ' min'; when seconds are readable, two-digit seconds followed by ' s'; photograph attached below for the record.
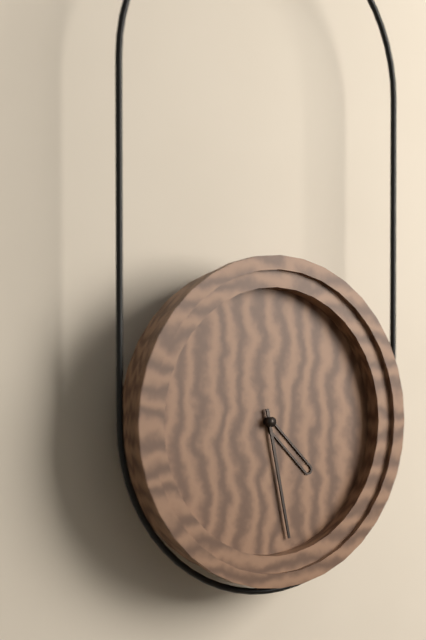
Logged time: 4 h 28 min
